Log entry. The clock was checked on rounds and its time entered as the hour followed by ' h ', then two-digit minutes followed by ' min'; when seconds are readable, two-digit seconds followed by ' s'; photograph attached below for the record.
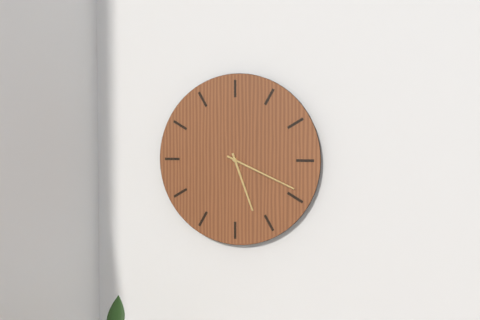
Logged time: 5 h 19 min
